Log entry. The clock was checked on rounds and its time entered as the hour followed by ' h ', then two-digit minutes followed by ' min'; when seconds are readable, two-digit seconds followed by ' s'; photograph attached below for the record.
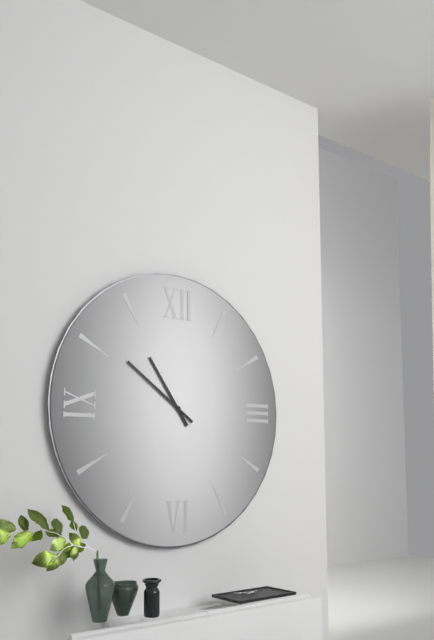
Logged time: 10 h 51 min
